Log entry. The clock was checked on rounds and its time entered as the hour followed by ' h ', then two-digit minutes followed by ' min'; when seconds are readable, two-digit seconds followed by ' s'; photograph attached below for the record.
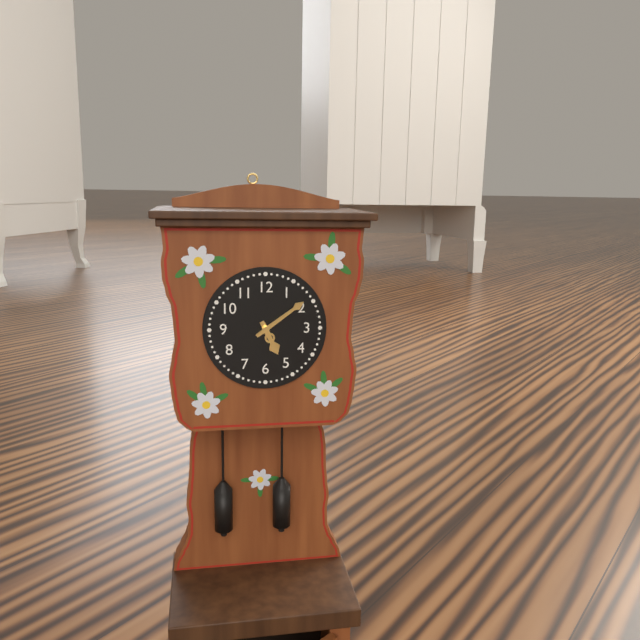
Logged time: 5 h 09 min
